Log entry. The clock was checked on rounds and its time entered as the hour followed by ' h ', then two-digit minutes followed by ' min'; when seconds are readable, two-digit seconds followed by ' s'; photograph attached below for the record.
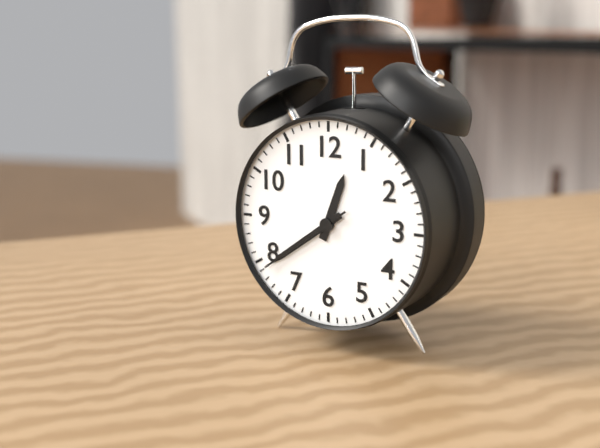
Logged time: 12 h 39 min 39 s
